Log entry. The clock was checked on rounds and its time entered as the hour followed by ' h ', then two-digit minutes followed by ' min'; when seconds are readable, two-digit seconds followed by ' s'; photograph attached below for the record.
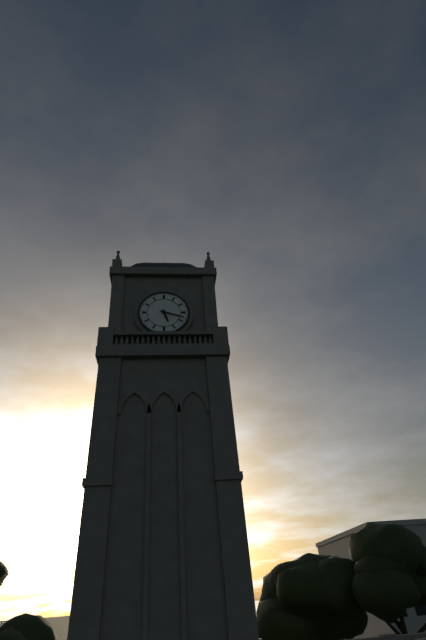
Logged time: 5 h 18 min
